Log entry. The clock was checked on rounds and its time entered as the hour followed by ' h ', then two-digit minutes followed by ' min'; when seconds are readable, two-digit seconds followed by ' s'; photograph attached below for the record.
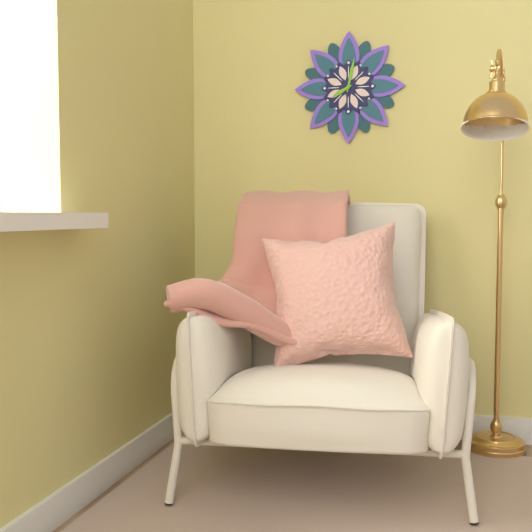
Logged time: 8 h 02 min
